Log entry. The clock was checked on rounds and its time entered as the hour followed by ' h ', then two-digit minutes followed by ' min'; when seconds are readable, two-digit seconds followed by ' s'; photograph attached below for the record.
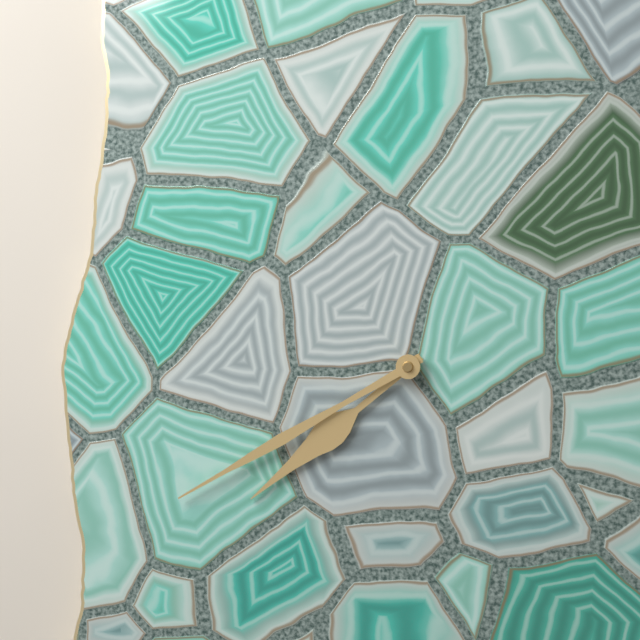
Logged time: 7 h 40 min
